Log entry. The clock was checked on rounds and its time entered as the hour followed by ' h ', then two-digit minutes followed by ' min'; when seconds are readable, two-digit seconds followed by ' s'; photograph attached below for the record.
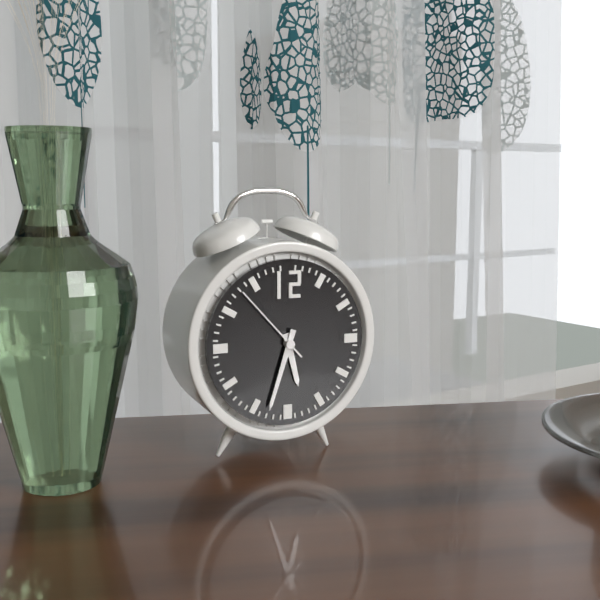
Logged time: 5 h 33 min 53 s
